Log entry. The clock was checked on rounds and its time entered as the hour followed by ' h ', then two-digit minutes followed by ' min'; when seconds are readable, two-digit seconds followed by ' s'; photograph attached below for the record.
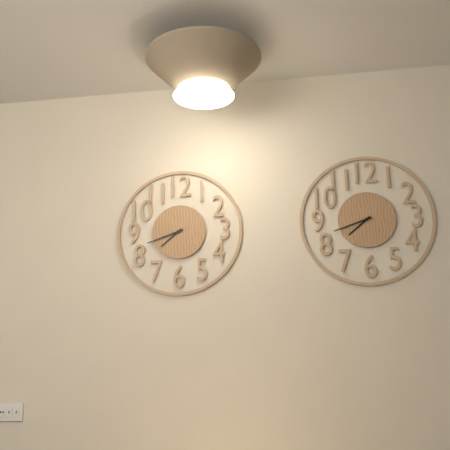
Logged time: 7 h 42 min
